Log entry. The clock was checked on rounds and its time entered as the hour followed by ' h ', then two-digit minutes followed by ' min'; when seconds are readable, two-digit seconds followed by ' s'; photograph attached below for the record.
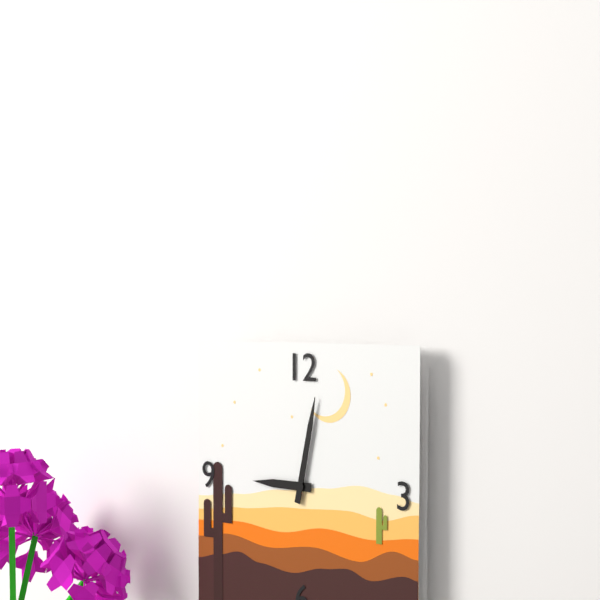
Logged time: 9 h 02 min
